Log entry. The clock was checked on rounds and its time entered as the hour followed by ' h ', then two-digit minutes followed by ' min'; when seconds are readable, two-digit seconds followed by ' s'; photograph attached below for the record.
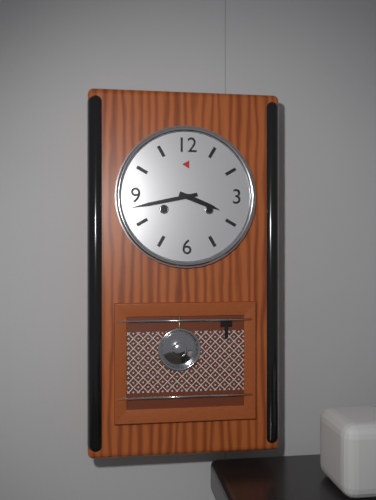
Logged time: 3 h 43 min
